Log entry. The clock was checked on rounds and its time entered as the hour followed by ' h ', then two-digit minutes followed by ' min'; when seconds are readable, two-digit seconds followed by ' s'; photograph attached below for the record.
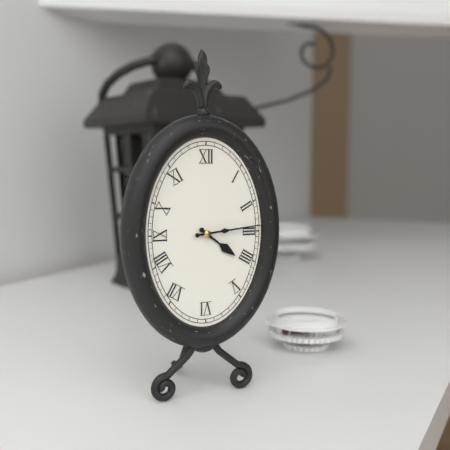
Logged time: 4 h 14 min
